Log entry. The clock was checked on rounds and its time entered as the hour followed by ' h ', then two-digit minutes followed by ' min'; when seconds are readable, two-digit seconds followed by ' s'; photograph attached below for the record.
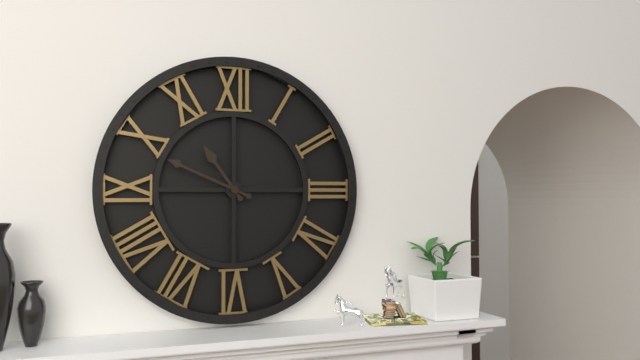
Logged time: 10 h 49 min
